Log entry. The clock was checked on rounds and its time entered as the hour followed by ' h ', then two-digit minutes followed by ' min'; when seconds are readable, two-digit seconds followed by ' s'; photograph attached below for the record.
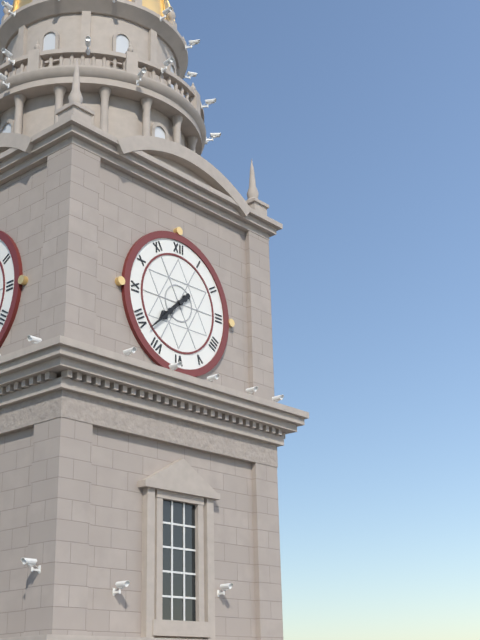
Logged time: 7 h 38 min
